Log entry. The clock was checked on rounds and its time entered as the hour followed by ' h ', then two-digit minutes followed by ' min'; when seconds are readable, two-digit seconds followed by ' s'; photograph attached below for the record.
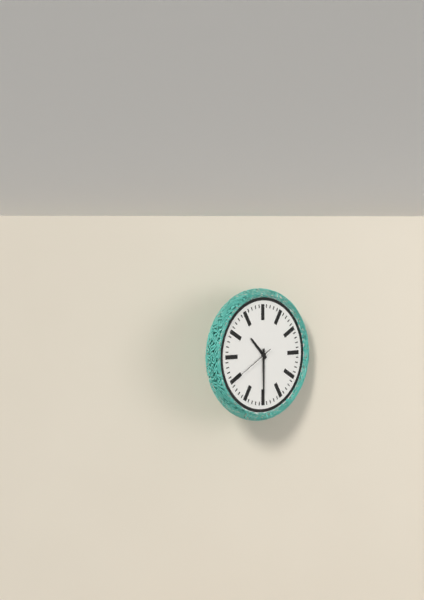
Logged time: 10 h 30 min
